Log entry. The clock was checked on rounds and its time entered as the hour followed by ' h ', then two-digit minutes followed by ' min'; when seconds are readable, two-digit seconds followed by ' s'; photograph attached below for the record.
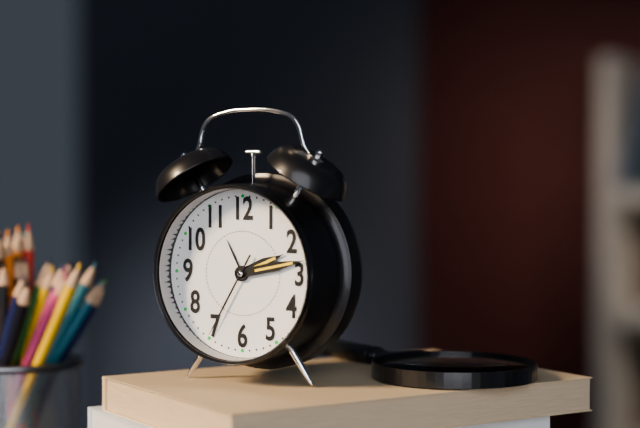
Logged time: 2 h 13 min 35 s
